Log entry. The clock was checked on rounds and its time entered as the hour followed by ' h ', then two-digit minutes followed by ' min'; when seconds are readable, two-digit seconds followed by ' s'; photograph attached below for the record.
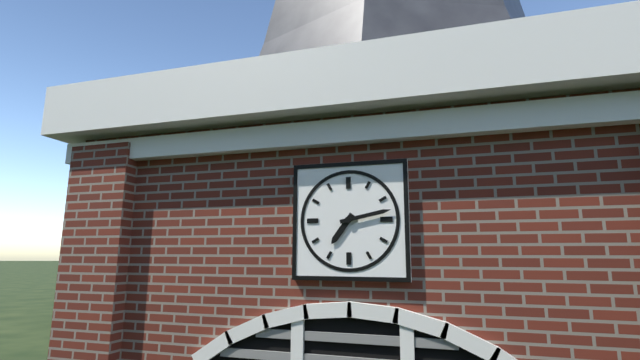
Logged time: 7 h 13 min
